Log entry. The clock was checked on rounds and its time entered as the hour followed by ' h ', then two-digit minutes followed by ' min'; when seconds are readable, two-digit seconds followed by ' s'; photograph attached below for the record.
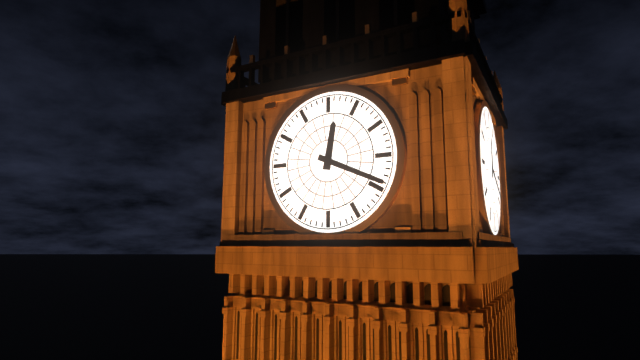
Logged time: 12 h 19 min
